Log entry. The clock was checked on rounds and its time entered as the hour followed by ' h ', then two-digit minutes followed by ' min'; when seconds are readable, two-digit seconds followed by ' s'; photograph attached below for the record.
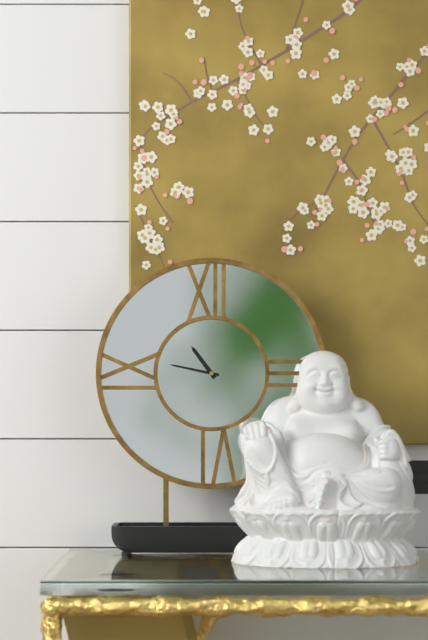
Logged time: 10 h 47 min
